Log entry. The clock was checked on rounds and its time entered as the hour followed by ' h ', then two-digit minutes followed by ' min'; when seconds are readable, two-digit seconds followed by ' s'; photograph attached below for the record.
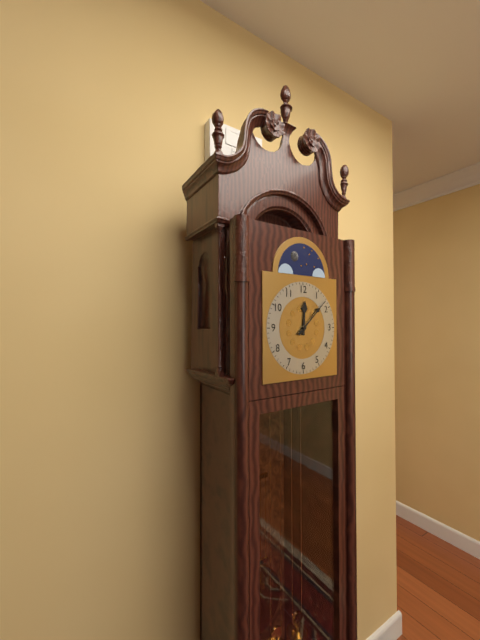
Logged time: 12 h 08 min
